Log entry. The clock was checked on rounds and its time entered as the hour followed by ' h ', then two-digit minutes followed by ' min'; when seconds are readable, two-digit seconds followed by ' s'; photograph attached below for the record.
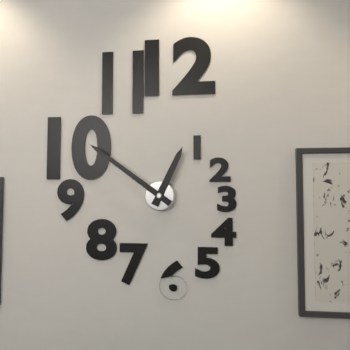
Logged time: 12 h 51 min
